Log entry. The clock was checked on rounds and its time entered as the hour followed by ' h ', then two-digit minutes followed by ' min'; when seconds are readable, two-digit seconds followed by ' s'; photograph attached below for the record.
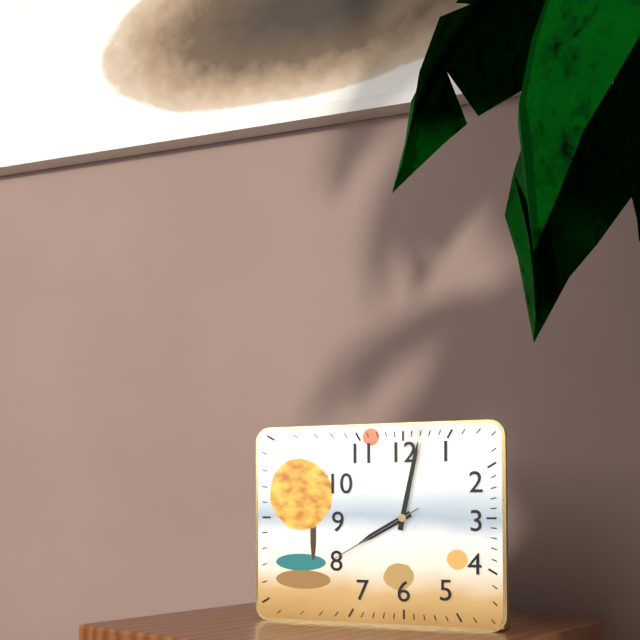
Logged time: 8 h 02 min 40 s
